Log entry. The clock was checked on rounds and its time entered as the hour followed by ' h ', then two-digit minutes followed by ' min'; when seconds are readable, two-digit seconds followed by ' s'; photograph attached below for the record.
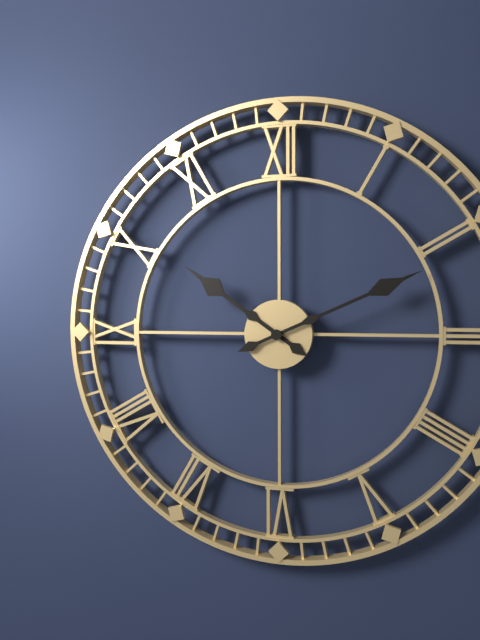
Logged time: 10 h 11 min
